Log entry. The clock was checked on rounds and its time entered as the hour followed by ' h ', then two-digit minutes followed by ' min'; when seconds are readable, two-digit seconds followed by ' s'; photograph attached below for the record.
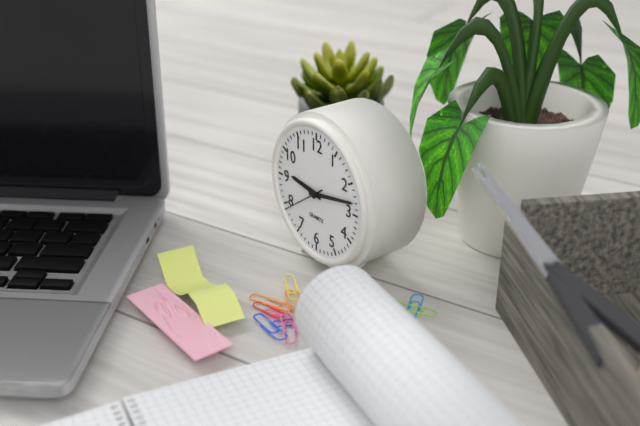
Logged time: 9 h 13 min
